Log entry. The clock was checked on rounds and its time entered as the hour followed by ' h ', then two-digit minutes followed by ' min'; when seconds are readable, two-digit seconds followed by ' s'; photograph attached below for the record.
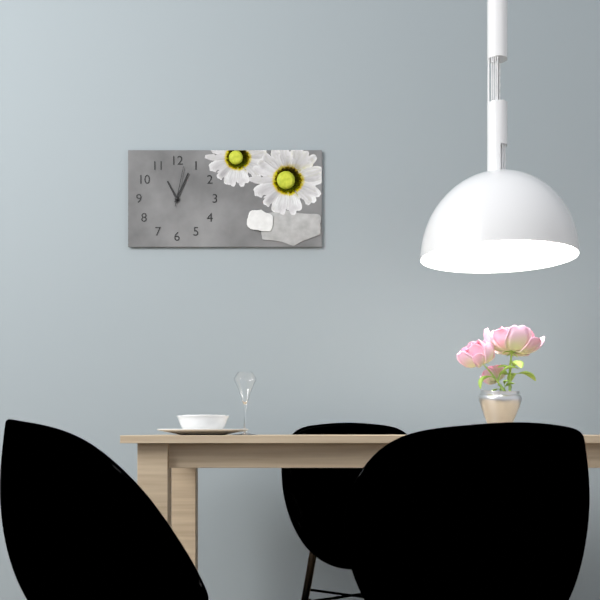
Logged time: 11 h 04 min
